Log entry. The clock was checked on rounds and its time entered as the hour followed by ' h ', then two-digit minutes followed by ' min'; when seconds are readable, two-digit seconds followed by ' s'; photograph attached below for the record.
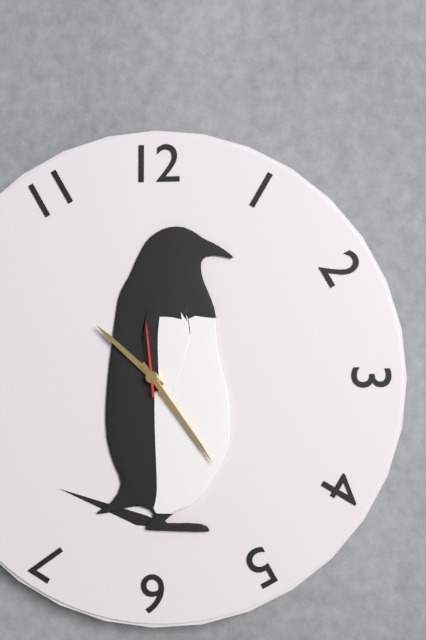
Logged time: 10 h 24 min 59 s
